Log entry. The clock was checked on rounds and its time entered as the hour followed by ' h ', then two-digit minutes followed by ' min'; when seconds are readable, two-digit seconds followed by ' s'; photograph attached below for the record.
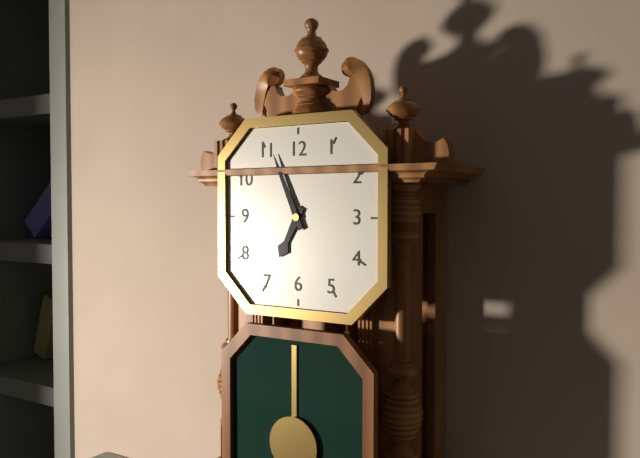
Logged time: 6 h 56 min
